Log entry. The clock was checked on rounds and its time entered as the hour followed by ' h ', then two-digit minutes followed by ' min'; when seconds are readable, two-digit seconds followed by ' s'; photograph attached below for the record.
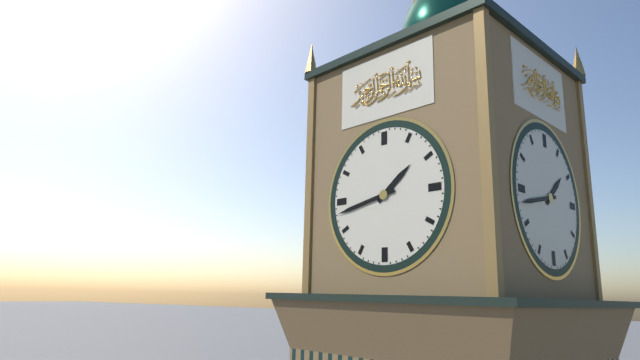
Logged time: 1 h 43 min
